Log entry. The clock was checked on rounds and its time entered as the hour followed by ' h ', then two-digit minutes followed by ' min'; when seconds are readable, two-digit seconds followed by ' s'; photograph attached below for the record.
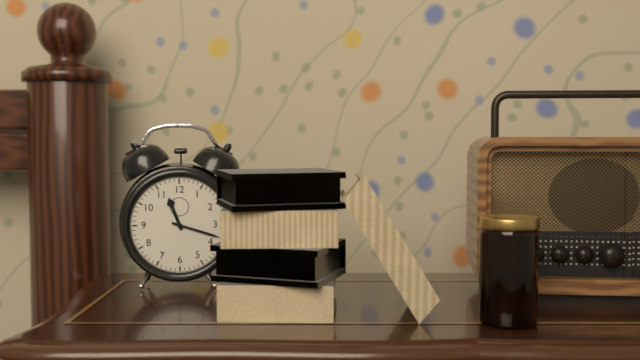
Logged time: 11 h 18 min
